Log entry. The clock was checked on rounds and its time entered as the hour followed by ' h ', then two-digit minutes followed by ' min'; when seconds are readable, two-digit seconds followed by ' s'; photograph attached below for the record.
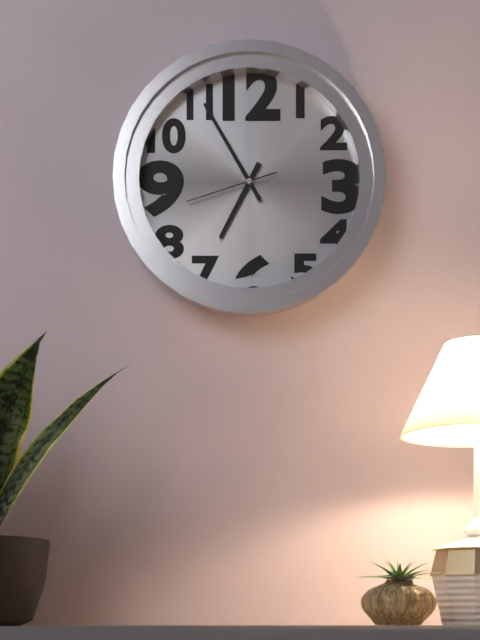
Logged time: 6 h 55 min 42 s
